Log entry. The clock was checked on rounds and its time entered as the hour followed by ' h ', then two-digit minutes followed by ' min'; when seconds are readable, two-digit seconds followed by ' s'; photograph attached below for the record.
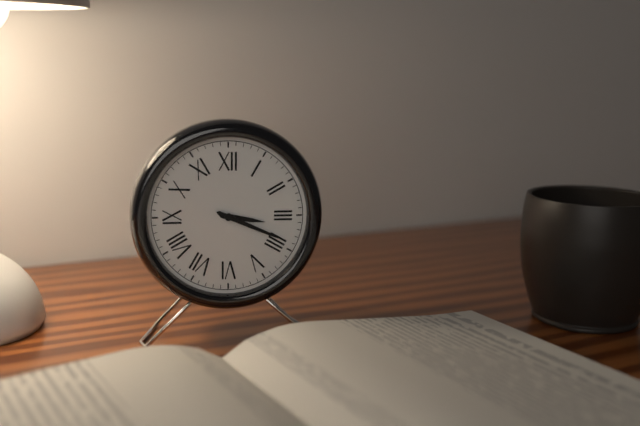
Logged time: 3 h 19 min
